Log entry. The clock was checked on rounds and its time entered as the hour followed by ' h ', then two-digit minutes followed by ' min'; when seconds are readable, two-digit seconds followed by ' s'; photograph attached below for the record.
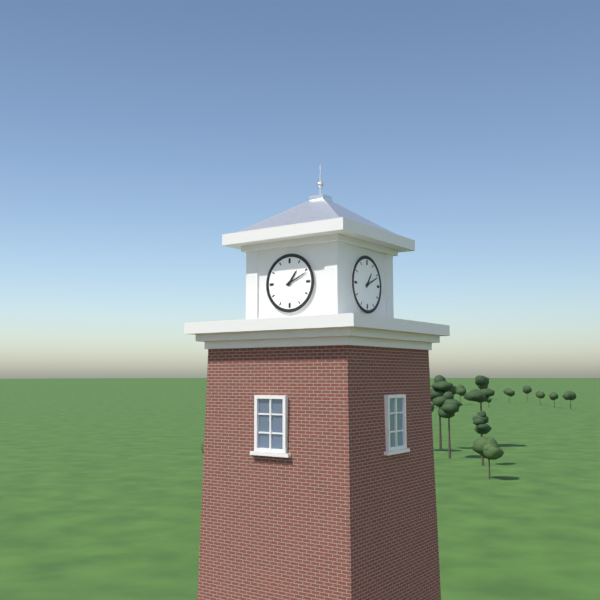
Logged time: 1 h 11 min
